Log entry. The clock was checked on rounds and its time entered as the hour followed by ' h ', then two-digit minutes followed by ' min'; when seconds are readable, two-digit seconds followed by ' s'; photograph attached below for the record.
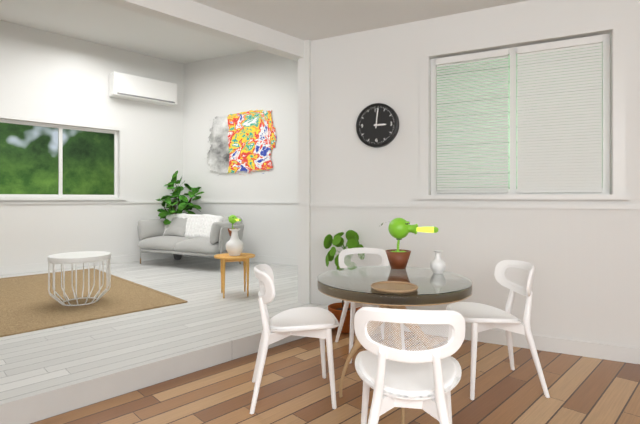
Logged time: 3 h 01 min
